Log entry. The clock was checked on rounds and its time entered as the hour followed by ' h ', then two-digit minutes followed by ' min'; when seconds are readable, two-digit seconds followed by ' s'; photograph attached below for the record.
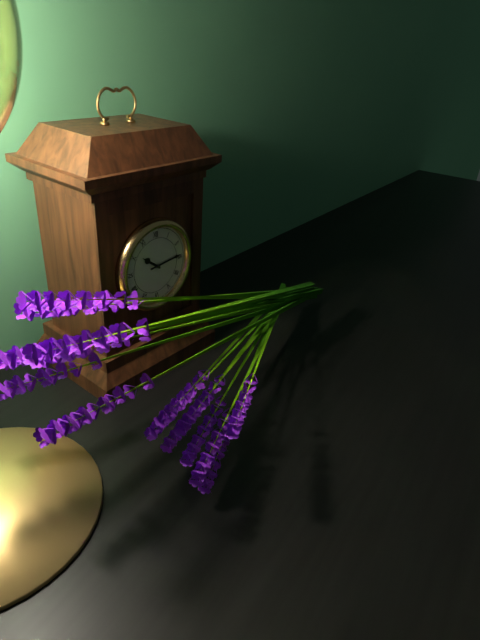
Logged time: 10 h 14 min
